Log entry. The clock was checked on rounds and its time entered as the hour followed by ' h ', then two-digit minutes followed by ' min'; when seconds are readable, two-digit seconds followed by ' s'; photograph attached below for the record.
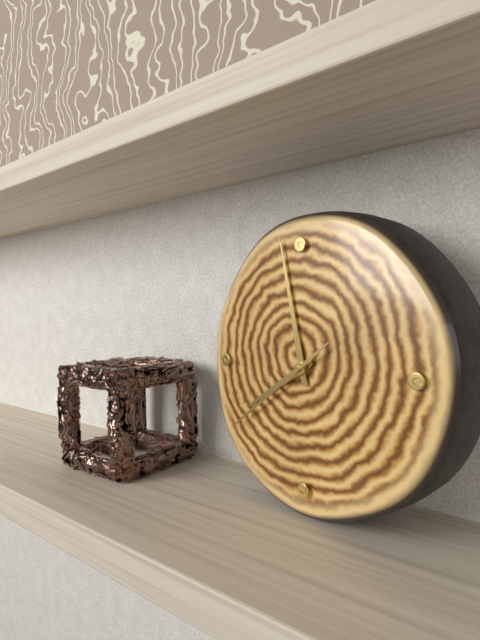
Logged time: 7 h 58 min 39 s
